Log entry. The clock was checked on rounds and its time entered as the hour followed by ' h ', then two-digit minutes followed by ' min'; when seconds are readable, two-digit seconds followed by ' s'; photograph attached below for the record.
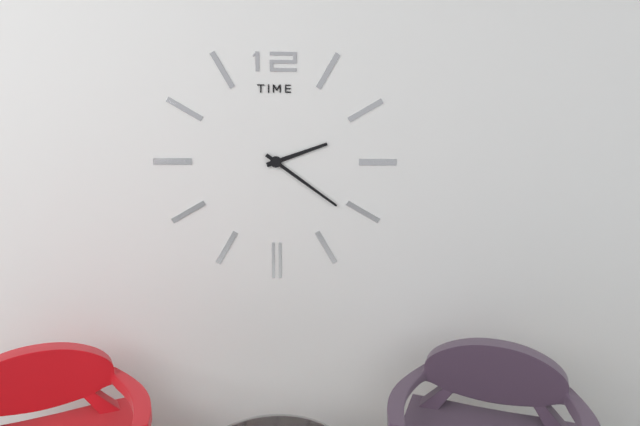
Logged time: 2 h 21 min
